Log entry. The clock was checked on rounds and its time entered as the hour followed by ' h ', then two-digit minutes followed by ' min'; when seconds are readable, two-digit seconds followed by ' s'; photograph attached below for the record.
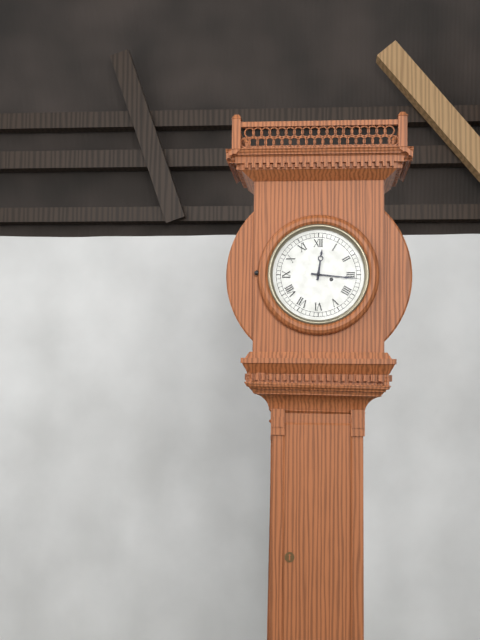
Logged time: 12 h 16 min
